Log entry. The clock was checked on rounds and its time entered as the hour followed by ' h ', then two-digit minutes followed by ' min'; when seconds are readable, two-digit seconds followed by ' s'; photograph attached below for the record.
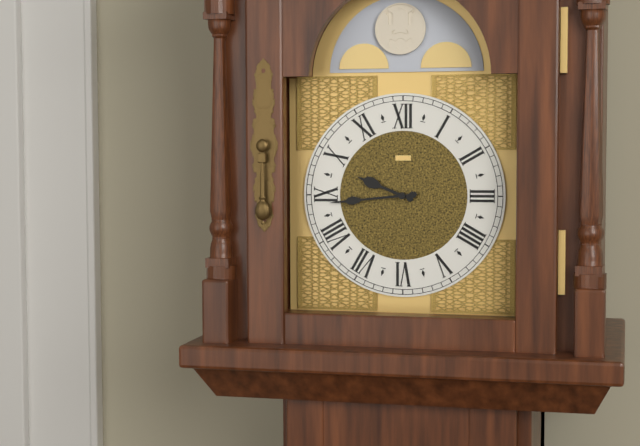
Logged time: 9 h 44 min
